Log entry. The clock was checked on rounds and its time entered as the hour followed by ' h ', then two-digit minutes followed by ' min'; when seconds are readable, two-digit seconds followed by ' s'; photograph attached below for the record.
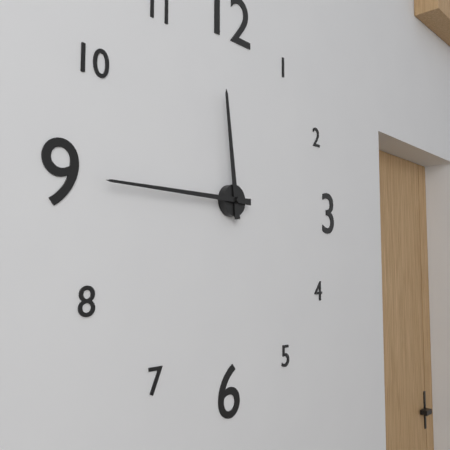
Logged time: 11 h 45 min
